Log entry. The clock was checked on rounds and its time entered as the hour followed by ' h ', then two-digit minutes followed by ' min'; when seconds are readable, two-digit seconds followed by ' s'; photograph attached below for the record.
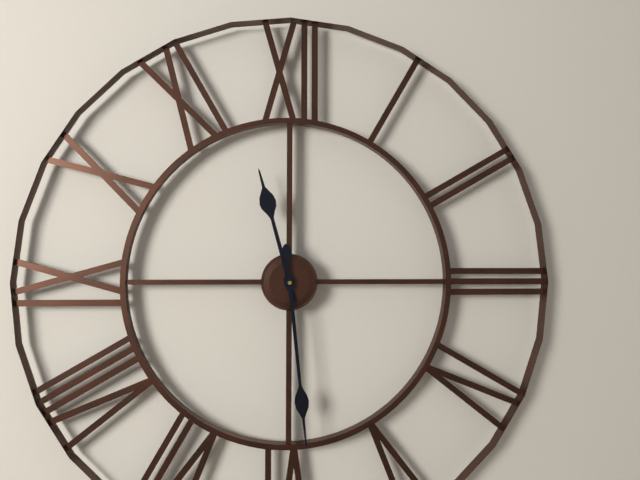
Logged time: 11 h 29 min
